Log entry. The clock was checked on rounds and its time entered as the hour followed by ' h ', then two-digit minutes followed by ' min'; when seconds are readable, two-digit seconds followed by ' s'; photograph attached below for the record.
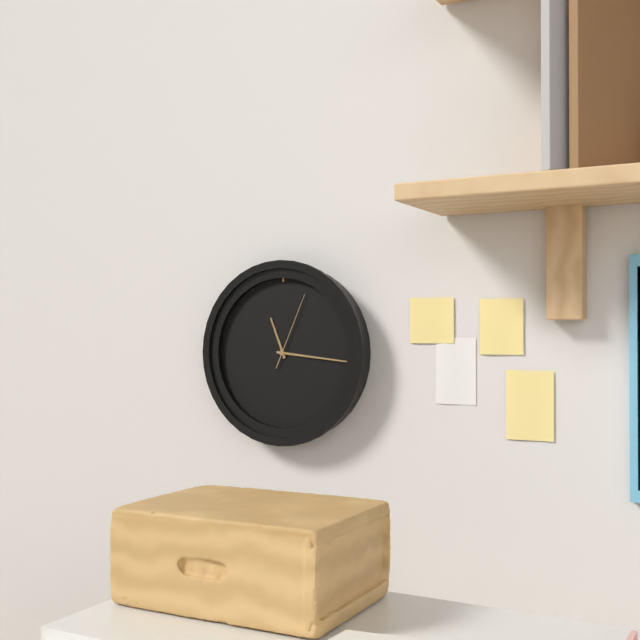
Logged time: 11 h 16 min 04 s
